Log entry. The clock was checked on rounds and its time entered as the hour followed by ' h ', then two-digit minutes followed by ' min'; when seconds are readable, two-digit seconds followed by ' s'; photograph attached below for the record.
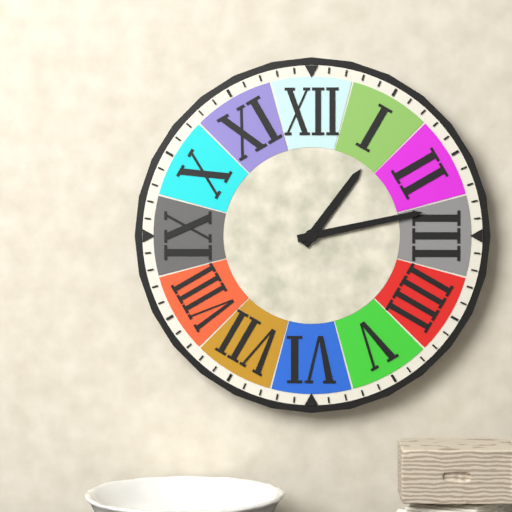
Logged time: 1 h 13 min
